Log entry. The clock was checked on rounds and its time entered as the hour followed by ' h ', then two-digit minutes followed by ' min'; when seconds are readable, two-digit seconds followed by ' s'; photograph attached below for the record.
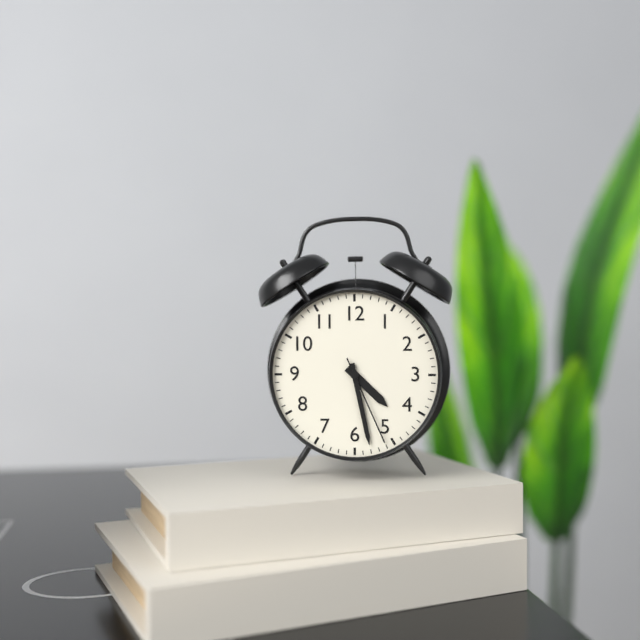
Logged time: 4 h 28 min 26 s
